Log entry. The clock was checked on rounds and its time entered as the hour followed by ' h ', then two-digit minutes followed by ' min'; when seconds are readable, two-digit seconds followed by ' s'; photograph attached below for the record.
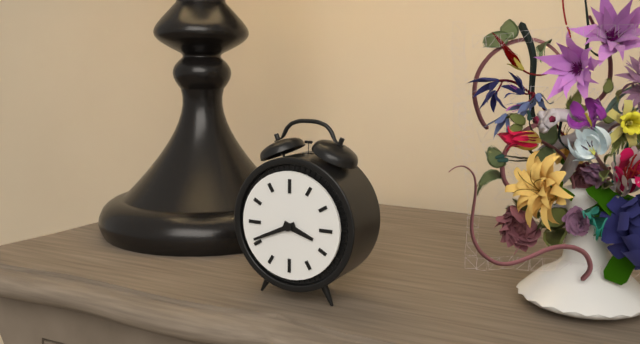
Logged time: 3 h 41 min
